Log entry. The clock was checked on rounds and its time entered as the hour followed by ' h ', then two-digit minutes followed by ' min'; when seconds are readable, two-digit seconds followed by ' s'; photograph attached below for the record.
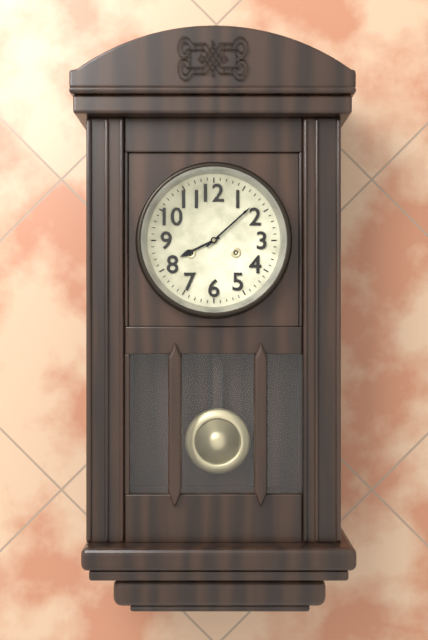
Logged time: 8 h 08 min
